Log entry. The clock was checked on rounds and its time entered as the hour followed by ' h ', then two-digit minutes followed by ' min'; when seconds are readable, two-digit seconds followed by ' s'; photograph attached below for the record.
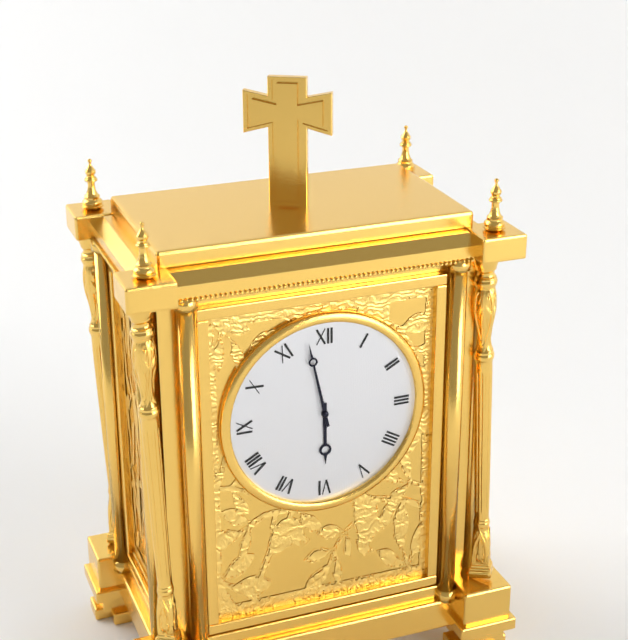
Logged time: 5 h 58 min
